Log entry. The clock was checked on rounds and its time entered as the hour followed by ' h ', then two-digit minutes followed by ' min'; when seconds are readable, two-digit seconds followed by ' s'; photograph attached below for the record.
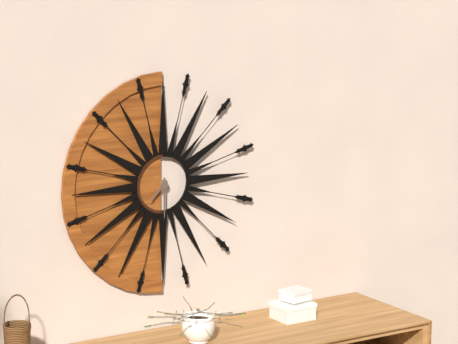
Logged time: 7 h 30 min
